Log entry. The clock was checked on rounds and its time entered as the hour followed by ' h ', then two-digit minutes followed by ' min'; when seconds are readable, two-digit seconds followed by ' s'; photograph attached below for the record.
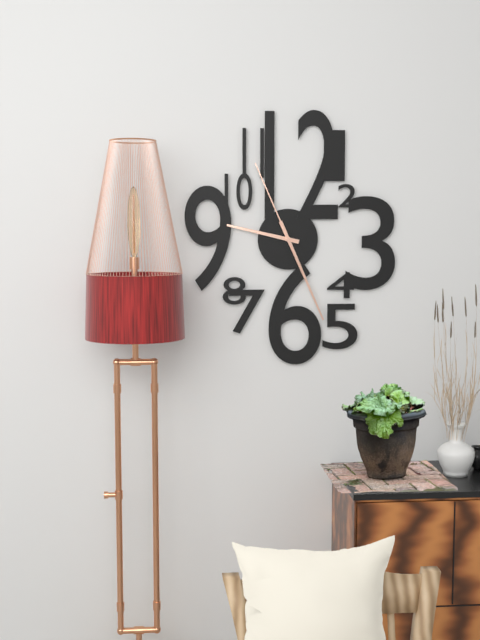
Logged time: 9 h 26 min 56 s
